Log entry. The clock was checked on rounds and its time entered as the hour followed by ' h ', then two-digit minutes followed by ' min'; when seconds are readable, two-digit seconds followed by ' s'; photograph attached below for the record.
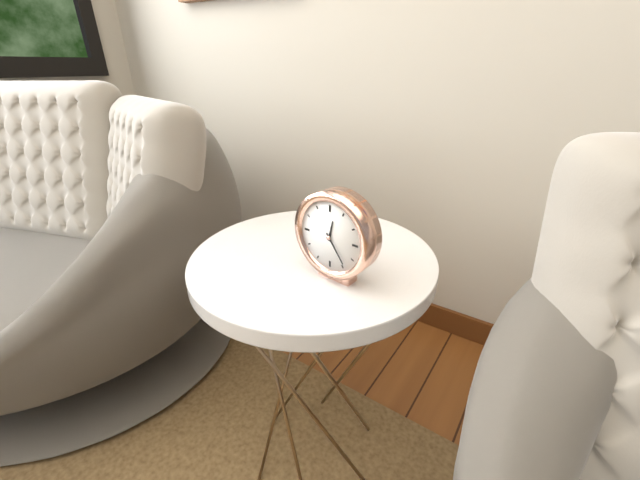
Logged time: 12 h 24 min
